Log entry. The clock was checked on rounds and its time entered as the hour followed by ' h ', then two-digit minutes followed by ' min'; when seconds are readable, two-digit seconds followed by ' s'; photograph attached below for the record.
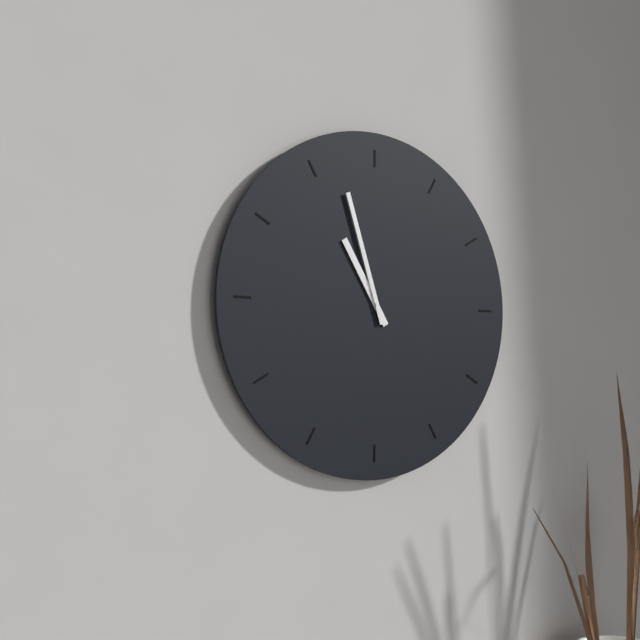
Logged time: 10 h 57 min
